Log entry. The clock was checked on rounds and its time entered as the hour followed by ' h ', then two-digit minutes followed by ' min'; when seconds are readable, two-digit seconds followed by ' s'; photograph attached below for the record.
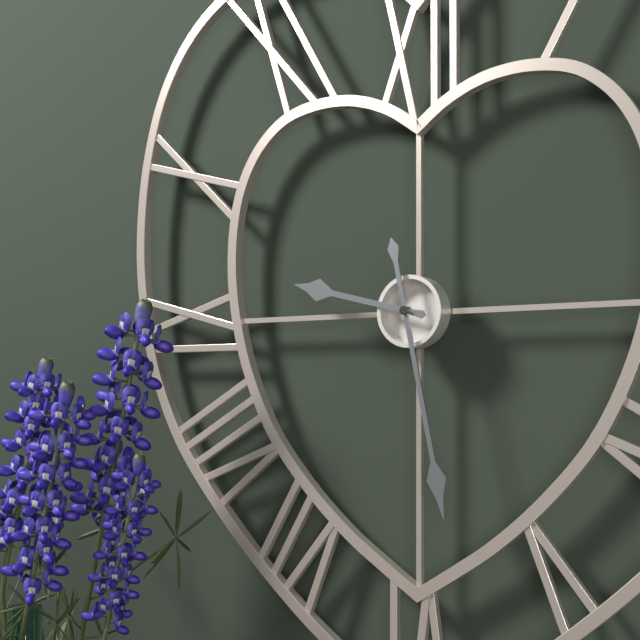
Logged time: 9 h 28 min
